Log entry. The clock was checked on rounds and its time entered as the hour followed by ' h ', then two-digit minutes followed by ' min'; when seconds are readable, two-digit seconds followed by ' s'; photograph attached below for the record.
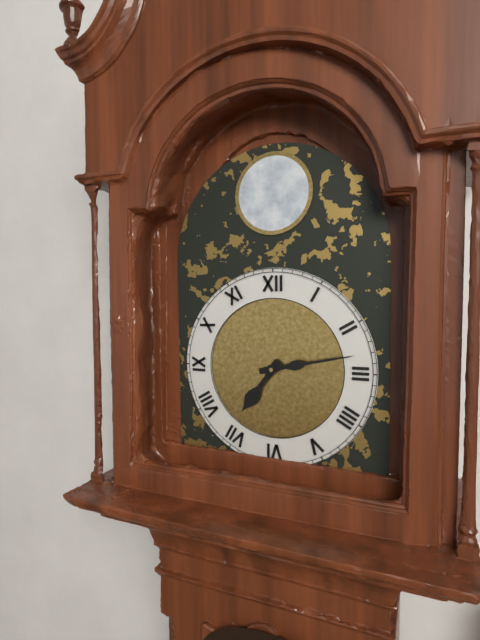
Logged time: 7 h 13 min
